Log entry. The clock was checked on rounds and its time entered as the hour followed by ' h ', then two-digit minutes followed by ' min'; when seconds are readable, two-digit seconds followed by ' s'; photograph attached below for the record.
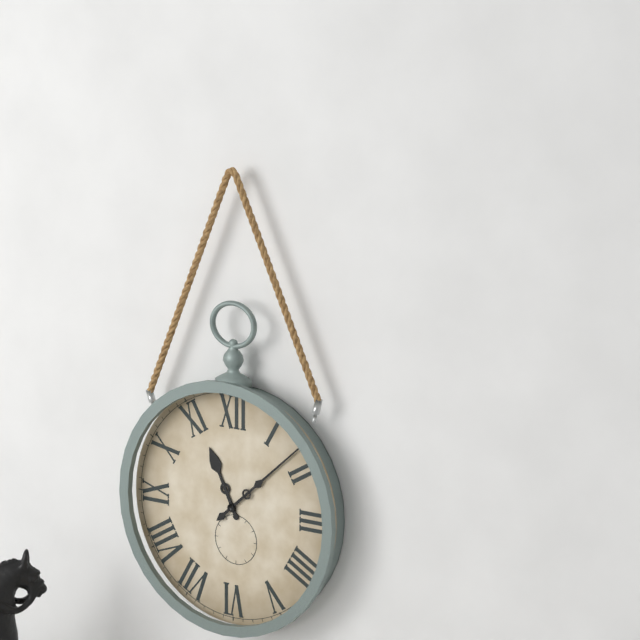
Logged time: 11 h 08 min
